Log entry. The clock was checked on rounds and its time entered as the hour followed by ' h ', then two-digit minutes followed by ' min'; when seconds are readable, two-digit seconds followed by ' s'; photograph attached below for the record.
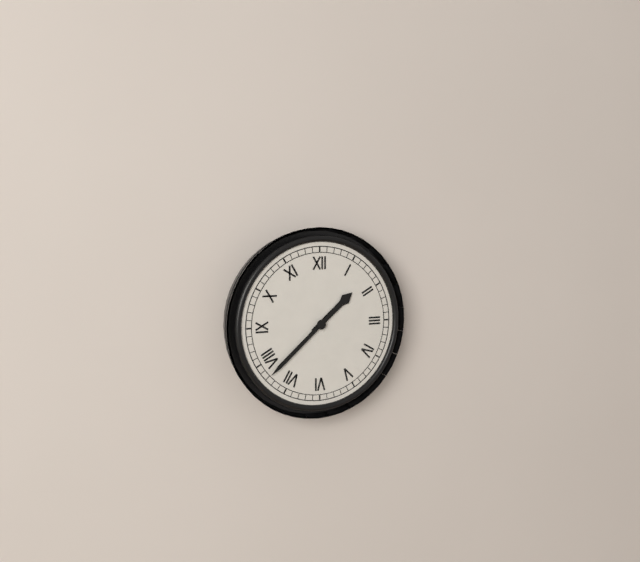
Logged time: 1 h 38 min
